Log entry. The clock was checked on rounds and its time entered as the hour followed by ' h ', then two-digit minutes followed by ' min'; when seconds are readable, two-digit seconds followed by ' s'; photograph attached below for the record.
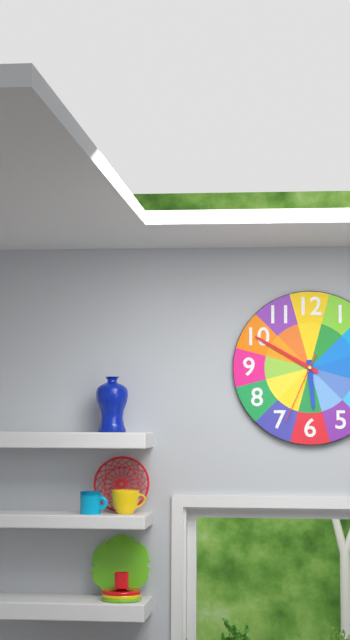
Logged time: 5 h 50 min 34 s
